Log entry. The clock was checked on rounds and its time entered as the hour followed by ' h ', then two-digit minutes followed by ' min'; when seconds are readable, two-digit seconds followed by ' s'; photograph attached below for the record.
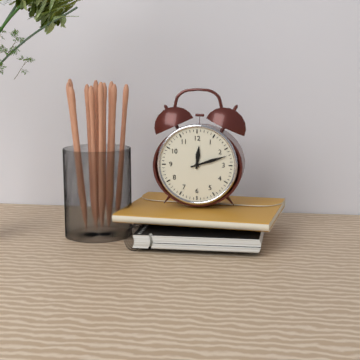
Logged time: 12 h 12 min
